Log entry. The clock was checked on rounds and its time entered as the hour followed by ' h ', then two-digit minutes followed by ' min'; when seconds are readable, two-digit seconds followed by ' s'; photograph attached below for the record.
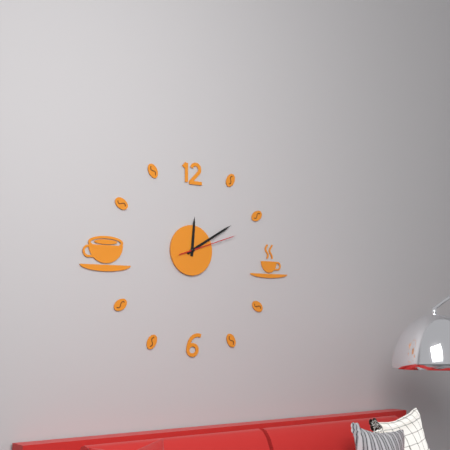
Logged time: 12 h 10 min 12 s
